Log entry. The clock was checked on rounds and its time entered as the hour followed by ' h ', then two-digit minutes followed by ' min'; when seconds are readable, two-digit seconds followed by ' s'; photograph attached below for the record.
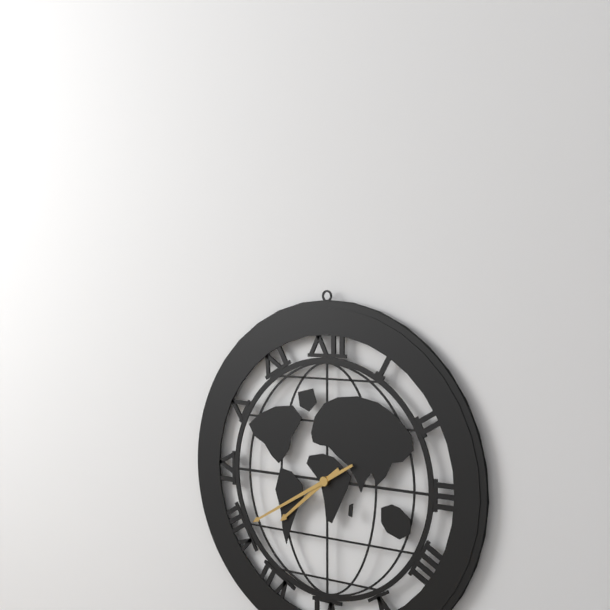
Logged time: 7 h 40 min
